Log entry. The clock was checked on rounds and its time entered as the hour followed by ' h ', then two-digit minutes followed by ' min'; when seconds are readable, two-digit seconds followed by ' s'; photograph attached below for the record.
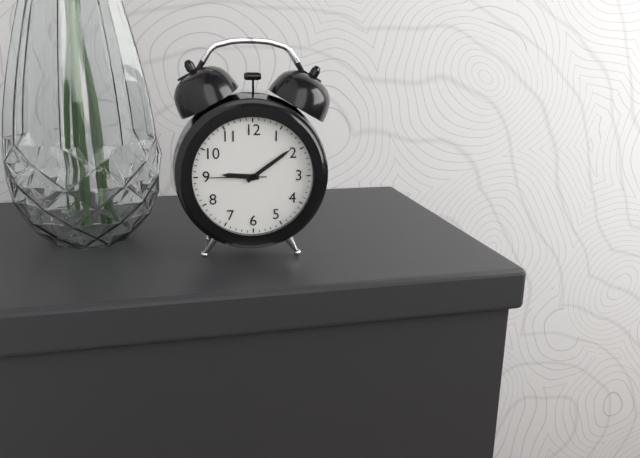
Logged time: 9 h 09 min 45 s
